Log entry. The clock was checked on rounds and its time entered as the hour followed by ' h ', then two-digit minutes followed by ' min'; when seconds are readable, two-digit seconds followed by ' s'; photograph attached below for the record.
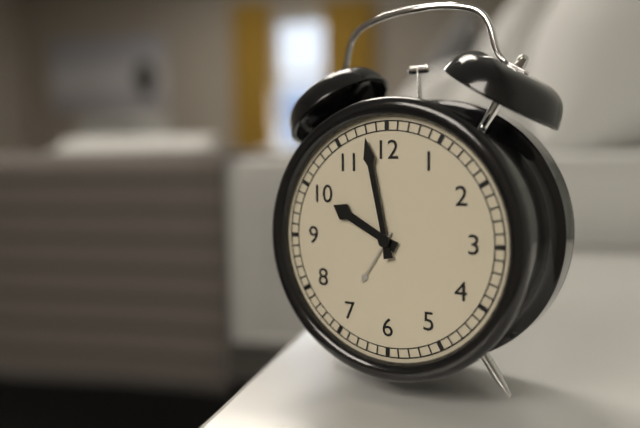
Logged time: 9 h 58 min
